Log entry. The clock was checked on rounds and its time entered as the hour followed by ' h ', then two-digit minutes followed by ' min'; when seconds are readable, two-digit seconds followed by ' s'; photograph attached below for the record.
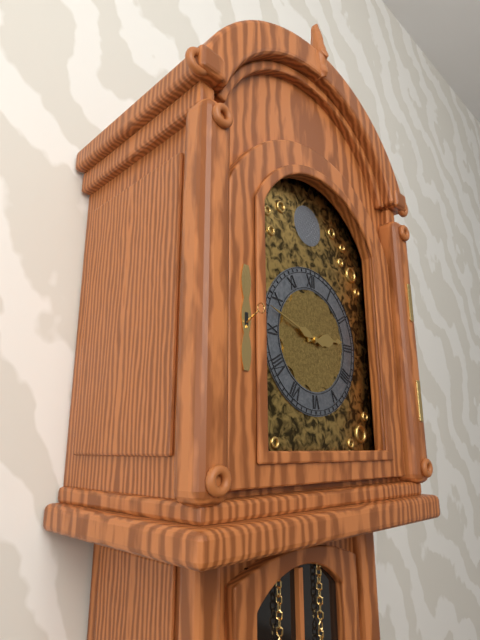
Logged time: 2 h 48 min
